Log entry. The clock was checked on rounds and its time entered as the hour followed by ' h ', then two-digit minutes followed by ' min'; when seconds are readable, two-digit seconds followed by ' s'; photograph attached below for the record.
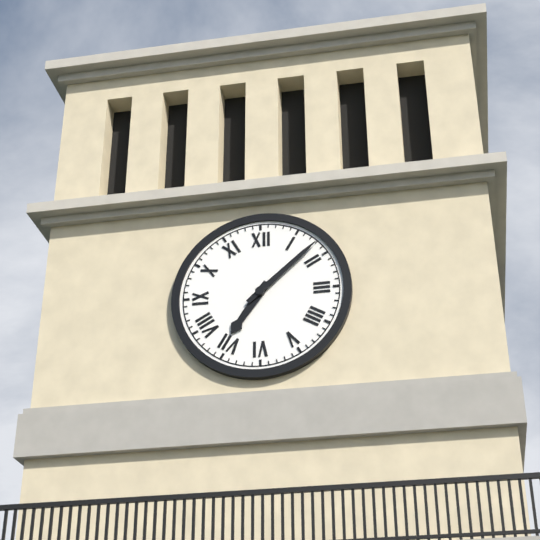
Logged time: 7 h 08 min
